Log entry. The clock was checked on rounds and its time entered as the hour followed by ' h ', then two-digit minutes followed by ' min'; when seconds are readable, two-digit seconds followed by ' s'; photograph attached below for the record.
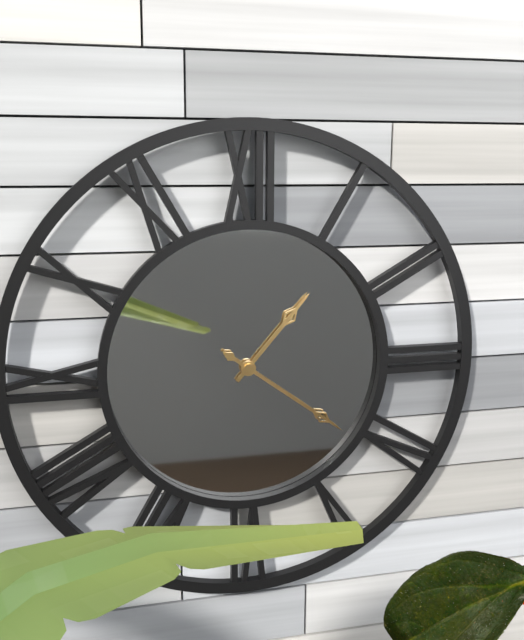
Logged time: 1 h 21 min
